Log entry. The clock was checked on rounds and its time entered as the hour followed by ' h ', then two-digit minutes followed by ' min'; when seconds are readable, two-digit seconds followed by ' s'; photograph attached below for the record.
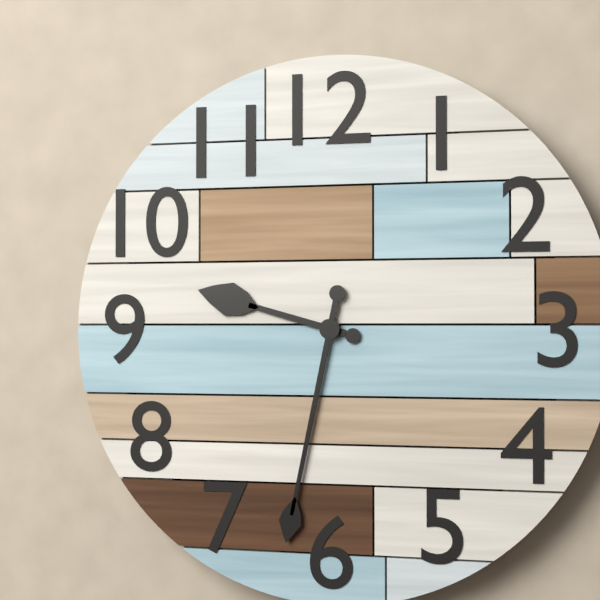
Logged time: 9 h 32 min
